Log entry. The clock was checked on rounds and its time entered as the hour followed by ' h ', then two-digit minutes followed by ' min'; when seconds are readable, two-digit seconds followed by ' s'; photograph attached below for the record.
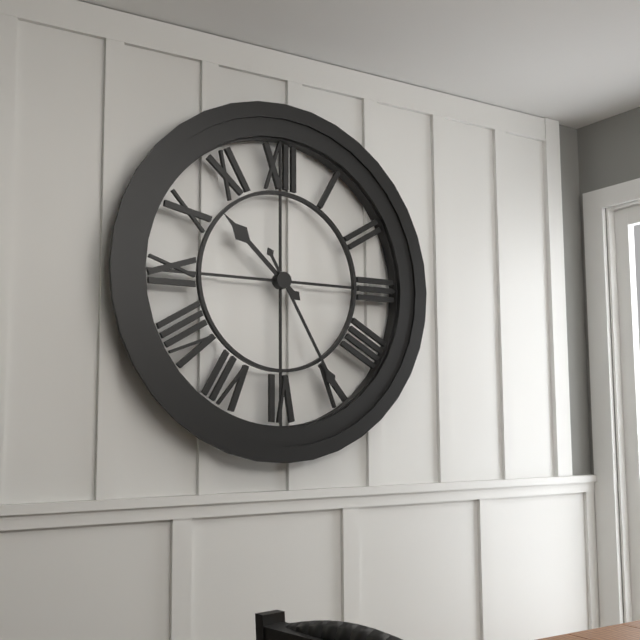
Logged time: 10 h 25 min
